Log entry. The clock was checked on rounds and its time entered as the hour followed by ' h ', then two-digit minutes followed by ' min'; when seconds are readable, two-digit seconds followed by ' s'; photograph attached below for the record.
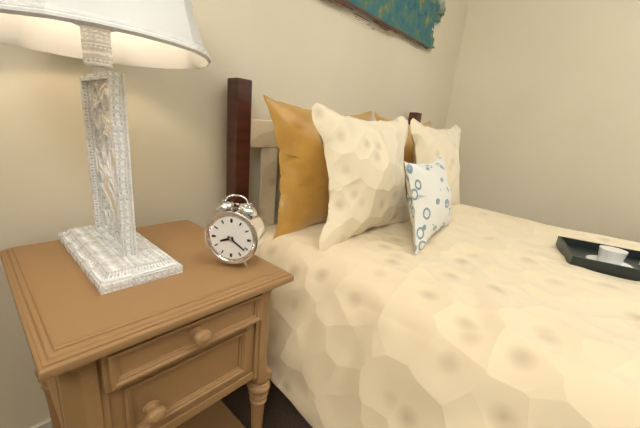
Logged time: 8 h 21 min
